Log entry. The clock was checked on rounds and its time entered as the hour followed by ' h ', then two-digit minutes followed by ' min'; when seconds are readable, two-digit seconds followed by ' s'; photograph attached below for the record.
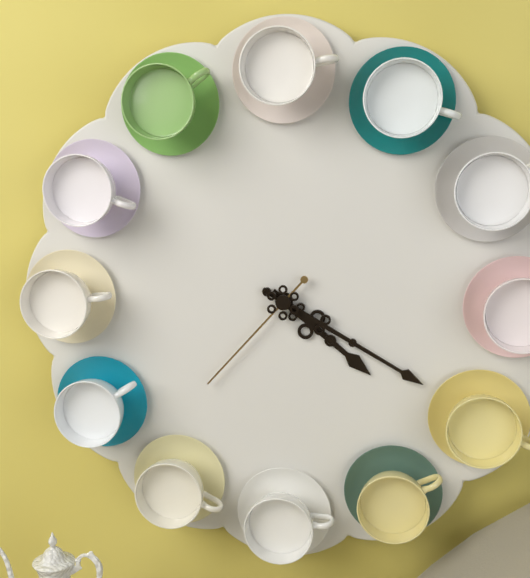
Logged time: 4 h 20 min 37 s
